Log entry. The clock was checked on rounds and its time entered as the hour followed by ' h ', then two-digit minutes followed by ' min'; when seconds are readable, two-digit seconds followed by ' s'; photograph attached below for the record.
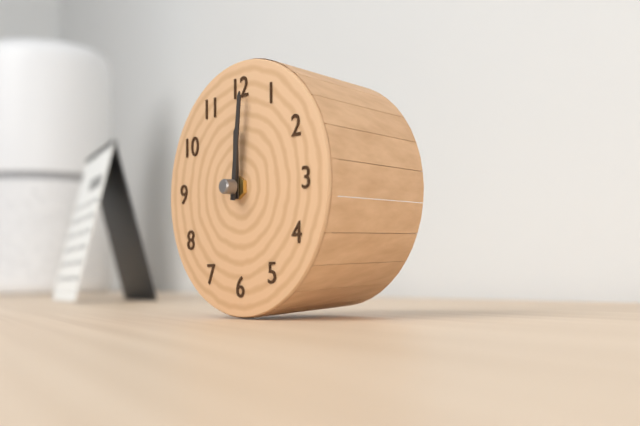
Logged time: 12 h 01 min
